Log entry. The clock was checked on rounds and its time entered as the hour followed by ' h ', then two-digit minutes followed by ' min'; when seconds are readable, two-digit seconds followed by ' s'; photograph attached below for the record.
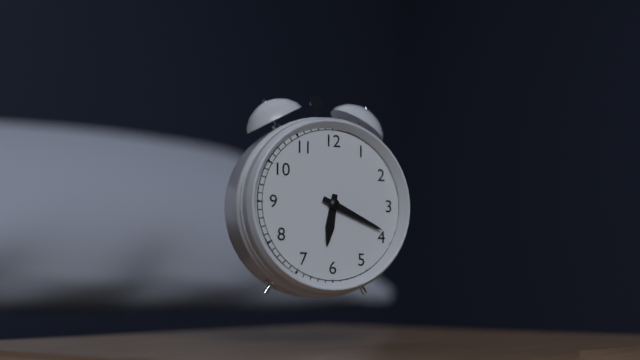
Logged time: 6 h 19 min
